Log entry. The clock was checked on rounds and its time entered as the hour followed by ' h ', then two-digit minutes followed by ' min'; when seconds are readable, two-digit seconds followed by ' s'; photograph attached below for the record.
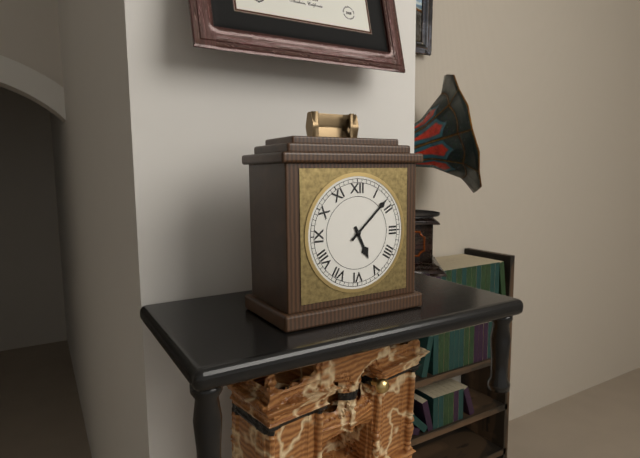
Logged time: 5 h 08 min
